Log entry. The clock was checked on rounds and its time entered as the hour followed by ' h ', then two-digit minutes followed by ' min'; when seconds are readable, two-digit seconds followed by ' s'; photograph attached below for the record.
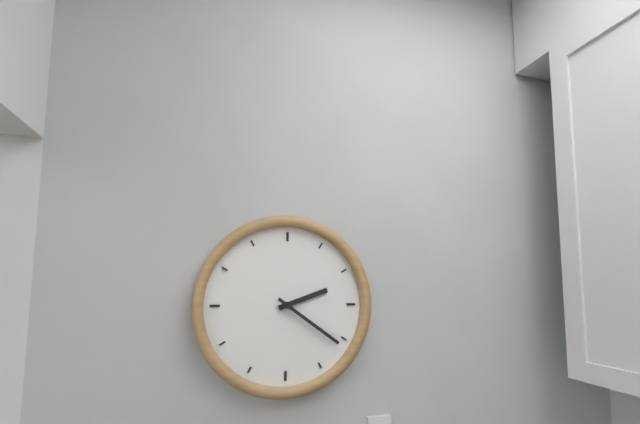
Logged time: 2 h 21 min
